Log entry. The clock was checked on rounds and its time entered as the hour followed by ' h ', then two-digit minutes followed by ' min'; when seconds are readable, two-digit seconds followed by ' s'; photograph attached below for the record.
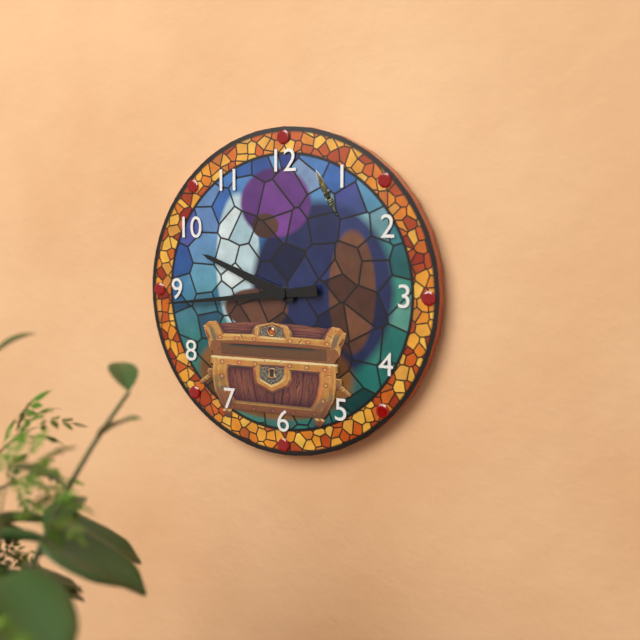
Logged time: 9 h 44 min
